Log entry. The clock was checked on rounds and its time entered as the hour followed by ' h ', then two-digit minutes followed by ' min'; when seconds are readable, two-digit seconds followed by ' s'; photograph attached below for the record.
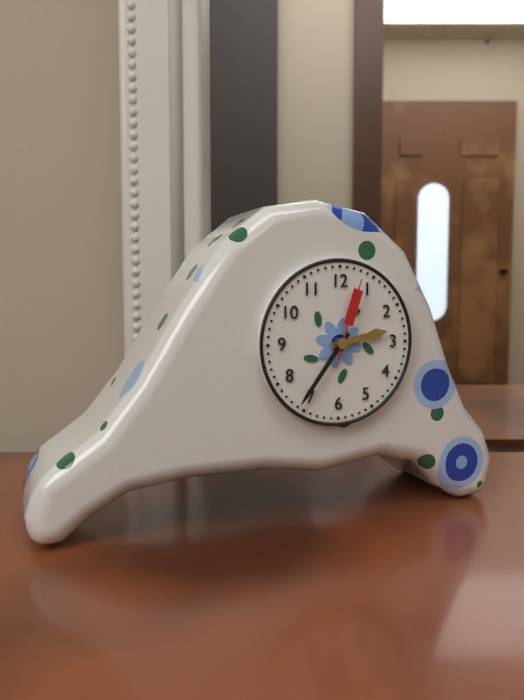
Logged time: 2 h 36 min 03 s
